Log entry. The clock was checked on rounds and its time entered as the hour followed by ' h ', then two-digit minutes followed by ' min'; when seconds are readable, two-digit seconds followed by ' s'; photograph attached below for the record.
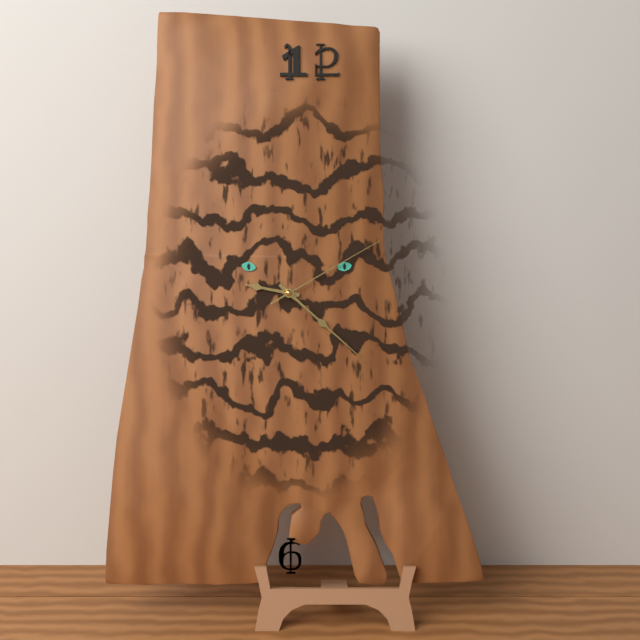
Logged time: 9 h 22 min 10 s
